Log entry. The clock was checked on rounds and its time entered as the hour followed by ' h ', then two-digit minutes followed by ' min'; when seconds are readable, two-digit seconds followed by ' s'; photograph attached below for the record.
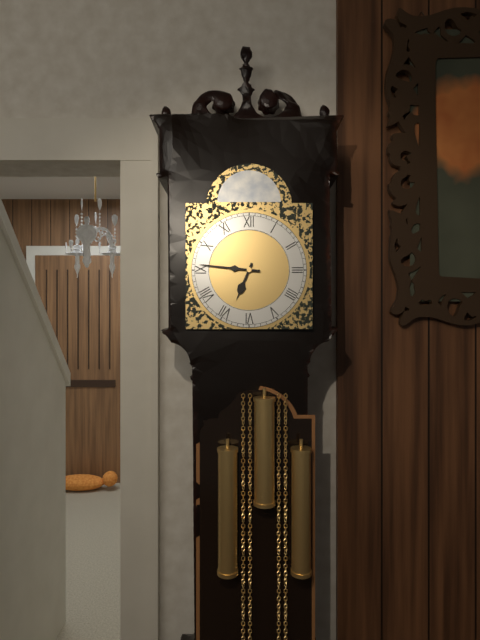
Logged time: 6 h 46 min
